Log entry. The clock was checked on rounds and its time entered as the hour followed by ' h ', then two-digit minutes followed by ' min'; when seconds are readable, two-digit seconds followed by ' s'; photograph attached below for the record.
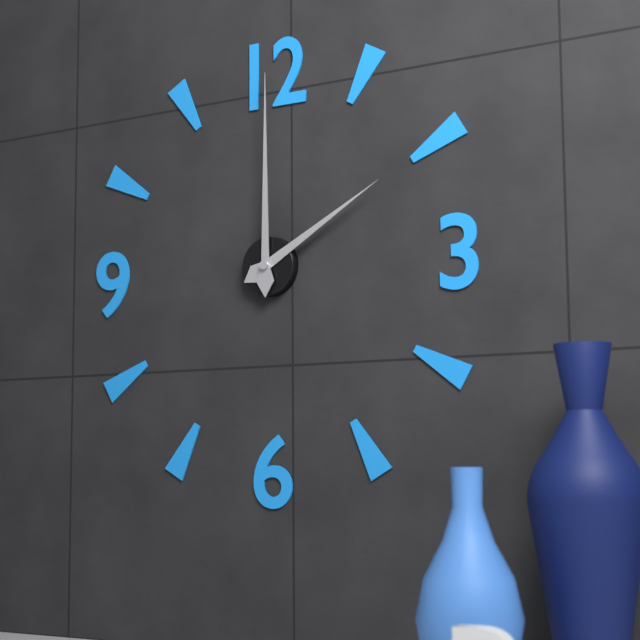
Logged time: 2 h 00 min
